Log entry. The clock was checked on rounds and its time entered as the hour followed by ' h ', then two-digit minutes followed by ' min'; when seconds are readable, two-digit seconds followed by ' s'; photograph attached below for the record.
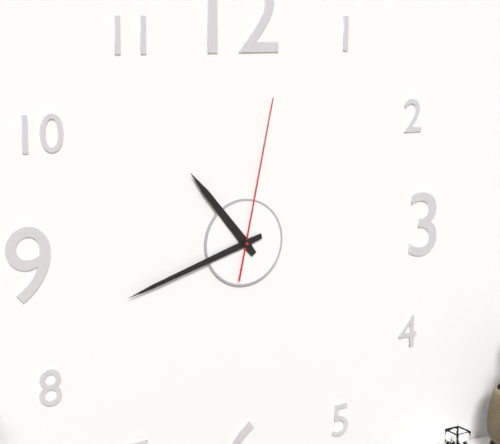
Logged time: 10 h 42 min 02 s
